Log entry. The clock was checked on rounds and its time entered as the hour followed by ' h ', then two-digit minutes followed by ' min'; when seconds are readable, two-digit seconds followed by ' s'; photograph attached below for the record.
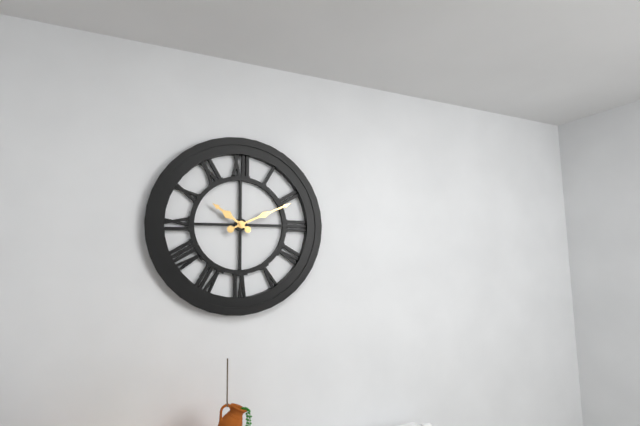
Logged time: 10 h 11 min
